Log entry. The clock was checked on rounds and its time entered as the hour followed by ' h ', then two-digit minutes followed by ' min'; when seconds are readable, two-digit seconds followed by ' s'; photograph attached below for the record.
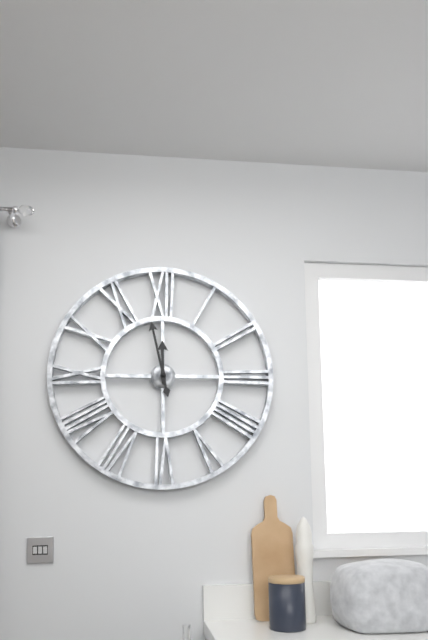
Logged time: 11 h 58 min
